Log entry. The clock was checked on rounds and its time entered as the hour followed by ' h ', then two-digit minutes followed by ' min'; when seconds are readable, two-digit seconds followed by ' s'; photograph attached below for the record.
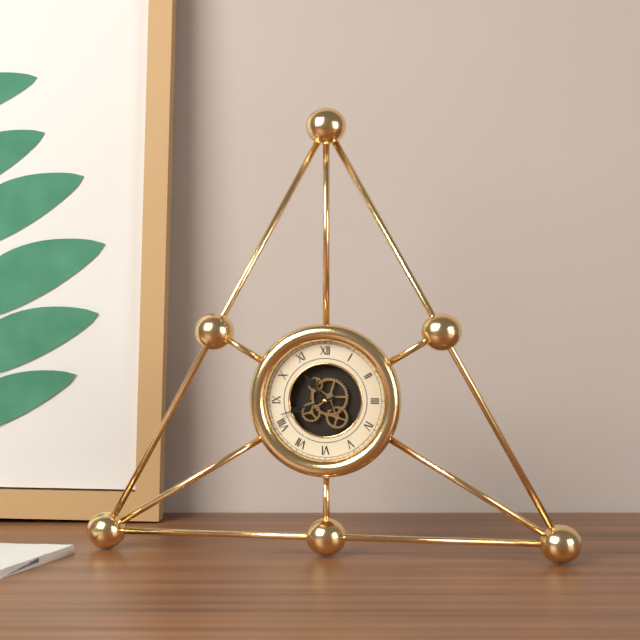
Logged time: 10 h 42 min
